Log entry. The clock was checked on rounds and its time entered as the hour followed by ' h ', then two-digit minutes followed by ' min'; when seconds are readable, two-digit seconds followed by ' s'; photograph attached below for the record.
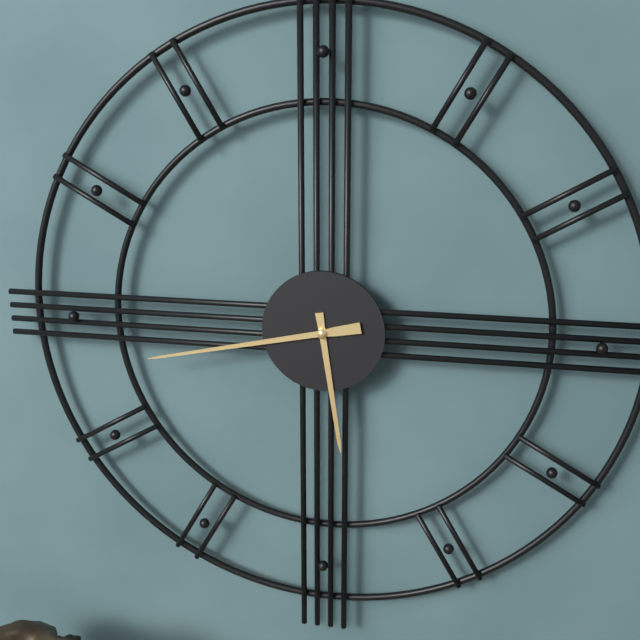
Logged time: 5 h 43 min
